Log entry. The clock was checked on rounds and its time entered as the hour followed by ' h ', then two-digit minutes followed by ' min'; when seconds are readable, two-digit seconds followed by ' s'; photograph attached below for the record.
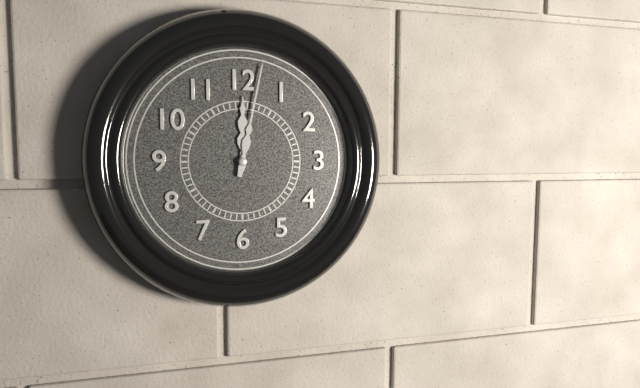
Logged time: 12 h 02 min
